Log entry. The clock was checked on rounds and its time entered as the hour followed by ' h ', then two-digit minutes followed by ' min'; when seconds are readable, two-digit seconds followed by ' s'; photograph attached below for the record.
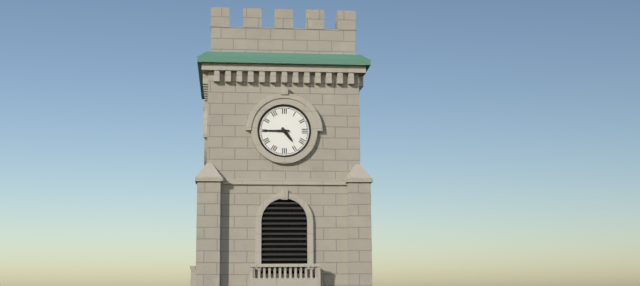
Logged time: 4 h 45 min
